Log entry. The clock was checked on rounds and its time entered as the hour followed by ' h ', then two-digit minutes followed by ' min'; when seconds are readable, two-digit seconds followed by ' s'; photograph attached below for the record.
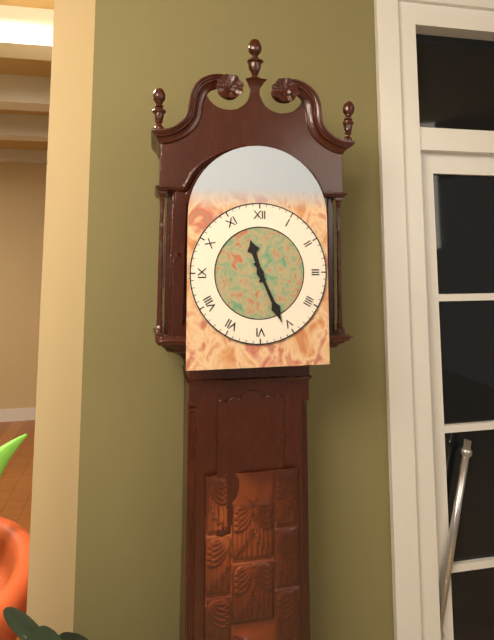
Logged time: 11 h 26 min
